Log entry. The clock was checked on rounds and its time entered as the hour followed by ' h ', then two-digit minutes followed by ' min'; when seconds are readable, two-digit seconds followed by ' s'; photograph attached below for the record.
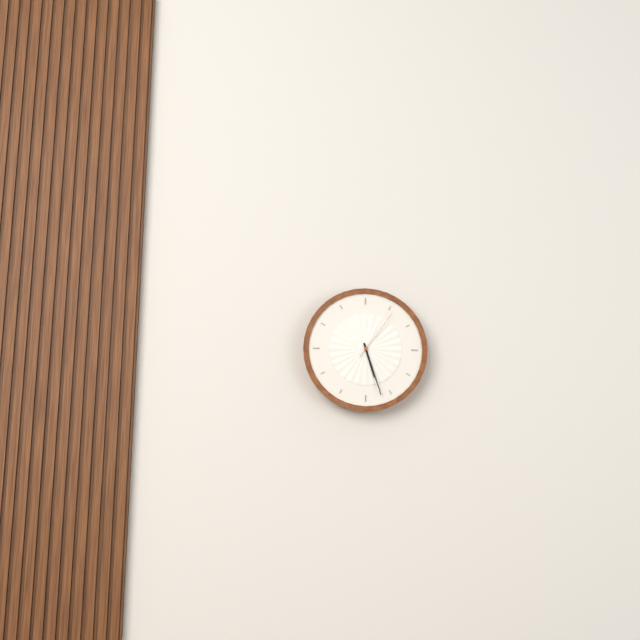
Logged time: 5 h 27 min 06 s
